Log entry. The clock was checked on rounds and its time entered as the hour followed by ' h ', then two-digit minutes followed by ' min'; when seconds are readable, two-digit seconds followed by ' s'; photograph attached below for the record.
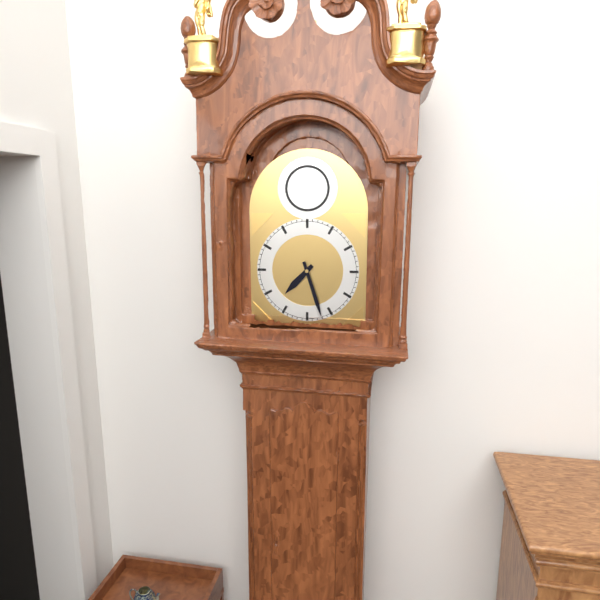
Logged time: 7 h 27 min
